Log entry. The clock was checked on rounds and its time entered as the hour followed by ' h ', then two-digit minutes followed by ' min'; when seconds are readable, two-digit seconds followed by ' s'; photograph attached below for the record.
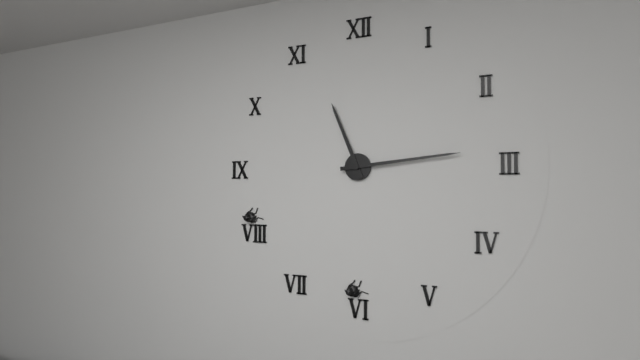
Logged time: 11 h 14 min
